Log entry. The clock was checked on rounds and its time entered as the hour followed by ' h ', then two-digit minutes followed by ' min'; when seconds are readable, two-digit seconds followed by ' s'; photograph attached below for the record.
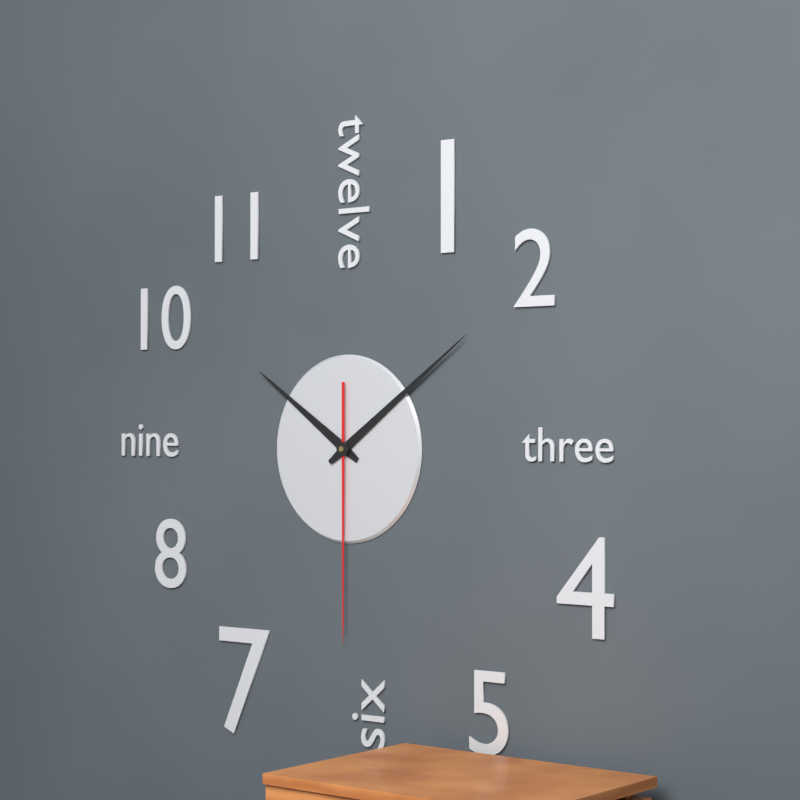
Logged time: 10 h 09 min 30 s
